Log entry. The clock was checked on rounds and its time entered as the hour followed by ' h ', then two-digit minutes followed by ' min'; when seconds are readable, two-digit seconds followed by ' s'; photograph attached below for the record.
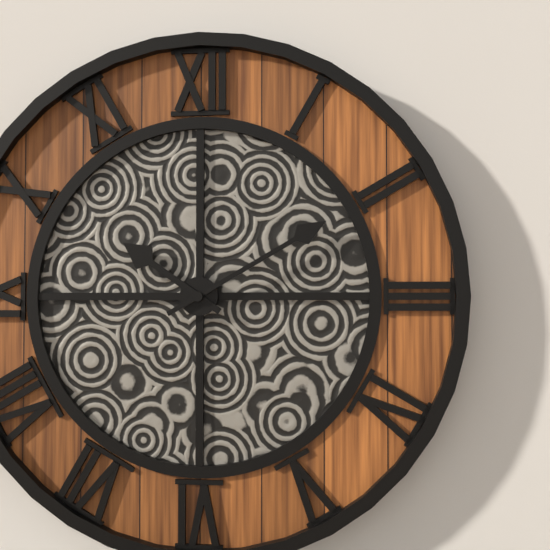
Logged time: 10 h 10 min
